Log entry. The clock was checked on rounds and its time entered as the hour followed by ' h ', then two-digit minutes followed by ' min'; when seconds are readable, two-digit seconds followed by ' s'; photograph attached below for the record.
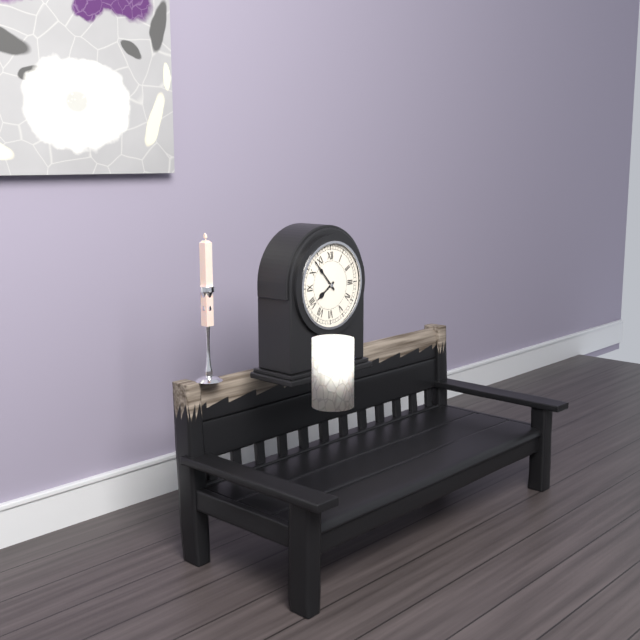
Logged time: 7 h 53 min
